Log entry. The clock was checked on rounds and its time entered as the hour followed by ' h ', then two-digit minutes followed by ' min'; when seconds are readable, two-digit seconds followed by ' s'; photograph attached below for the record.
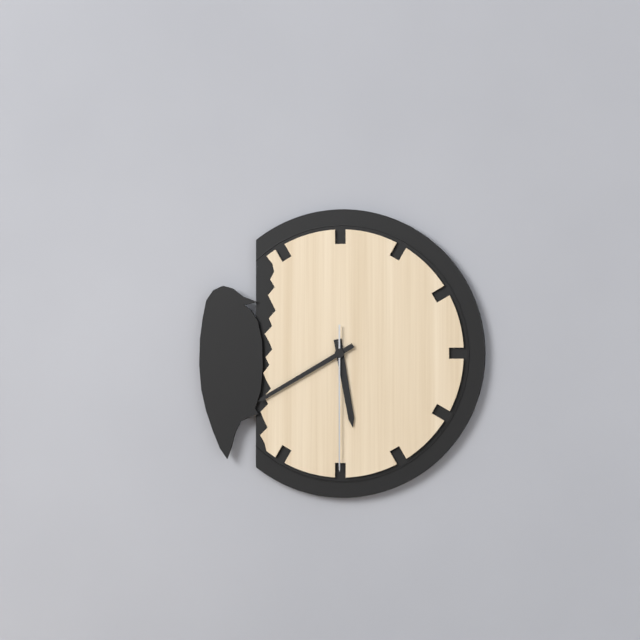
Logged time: 5 h 40 min 30 s
